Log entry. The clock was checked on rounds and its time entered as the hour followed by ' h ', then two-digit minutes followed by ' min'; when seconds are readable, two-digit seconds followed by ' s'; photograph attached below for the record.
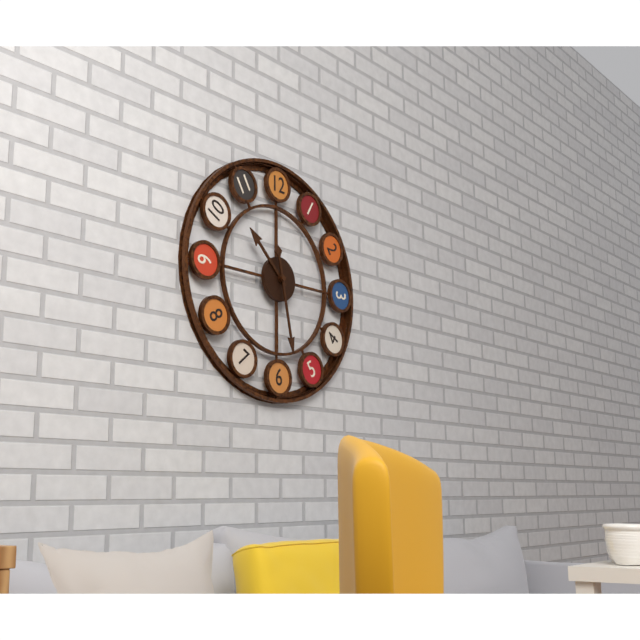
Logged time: 10 h 28 min
